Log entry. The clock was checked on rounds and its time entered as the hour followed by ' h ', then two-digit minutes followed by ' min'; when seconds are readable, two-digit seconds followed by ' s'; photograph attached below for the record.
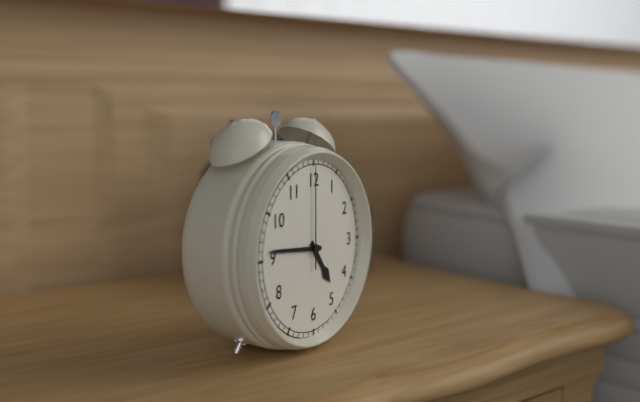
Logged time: 4 h 46 min 00 s
